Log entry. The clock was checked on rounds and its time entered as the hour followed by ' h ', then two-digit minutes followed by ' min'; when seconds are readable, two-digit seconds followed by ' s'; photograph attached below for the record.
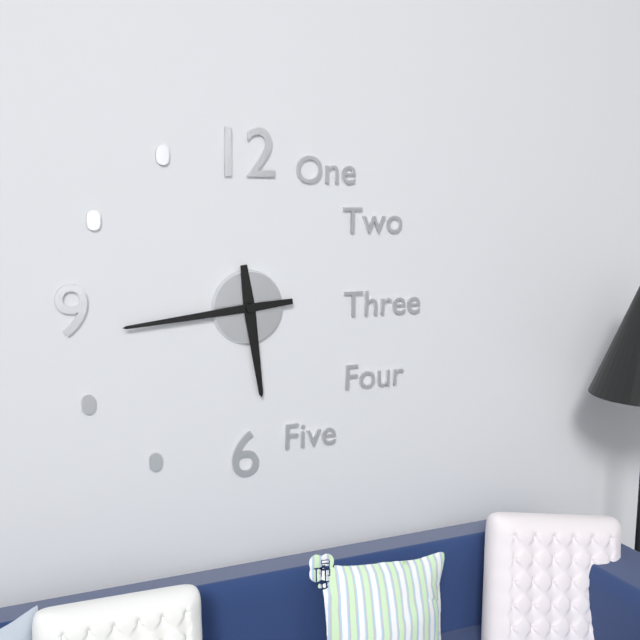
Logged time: 5 h 44 min
